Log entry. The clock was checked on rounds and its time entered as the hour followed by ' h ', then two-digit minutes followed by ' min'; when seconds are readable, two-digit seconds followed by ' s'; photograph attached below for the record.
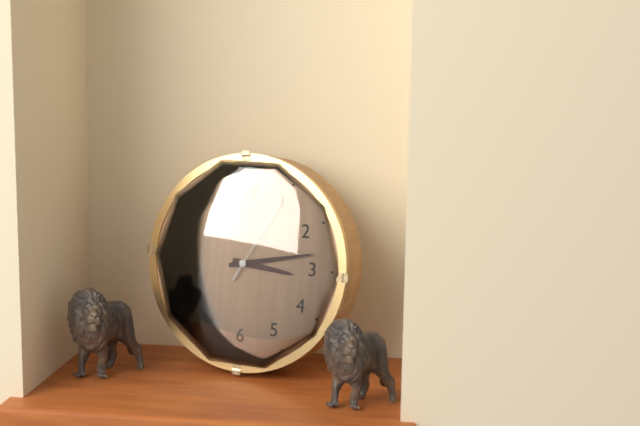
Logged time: 3 h 13 min 05 s
